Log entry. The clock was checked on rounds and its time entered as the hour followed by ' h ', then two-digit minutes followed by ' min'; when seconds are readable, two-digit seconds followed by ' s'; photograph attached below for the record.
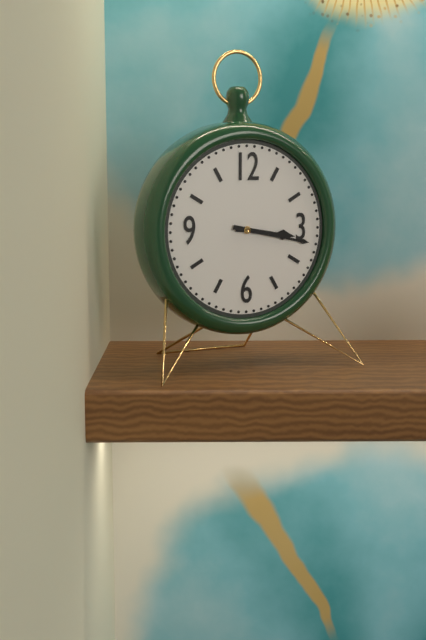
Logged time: 3 h 17 min
